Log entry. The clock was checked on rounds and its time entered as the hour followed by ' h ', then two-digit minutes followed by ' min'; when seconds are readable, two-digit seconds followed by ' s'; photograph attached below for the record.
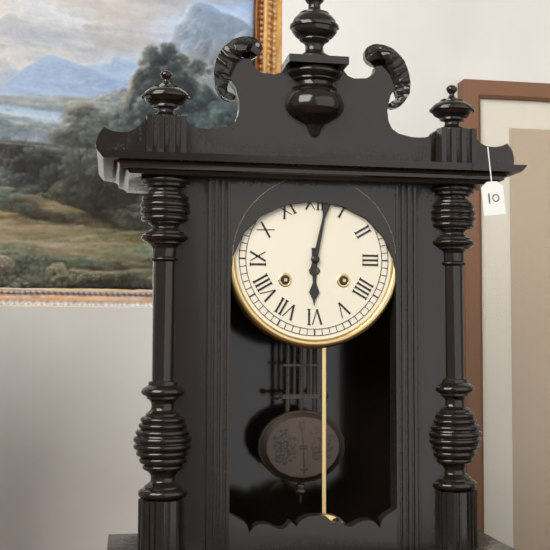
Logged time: 6 h 02 min
